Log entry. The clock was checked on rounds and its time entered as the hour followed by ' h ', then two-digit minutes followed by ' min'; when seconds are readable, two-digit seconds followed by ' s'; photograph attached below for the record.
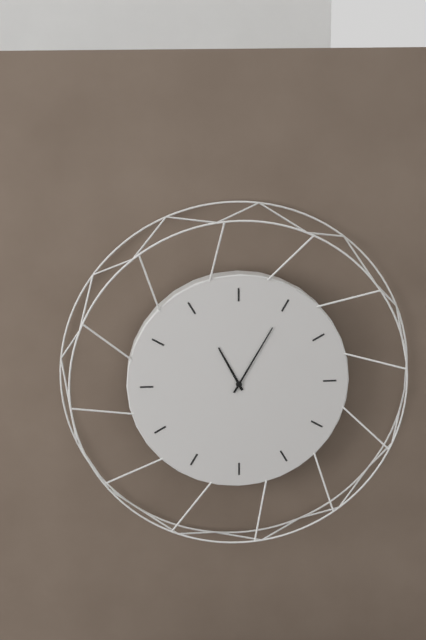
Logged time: 11 h 05 min
